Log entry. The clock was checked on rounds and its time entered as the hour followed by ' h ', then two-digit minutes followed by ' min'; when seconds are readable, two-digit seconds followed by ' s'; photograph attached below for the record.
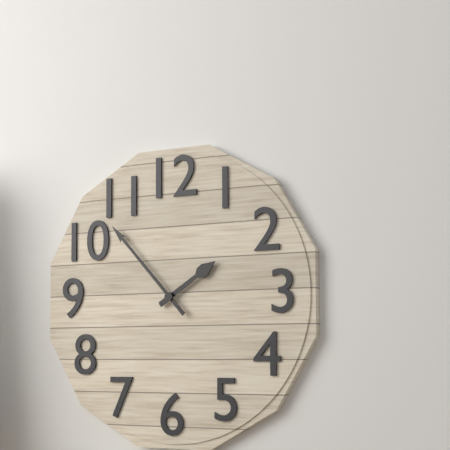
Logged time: 1 h 53 min
